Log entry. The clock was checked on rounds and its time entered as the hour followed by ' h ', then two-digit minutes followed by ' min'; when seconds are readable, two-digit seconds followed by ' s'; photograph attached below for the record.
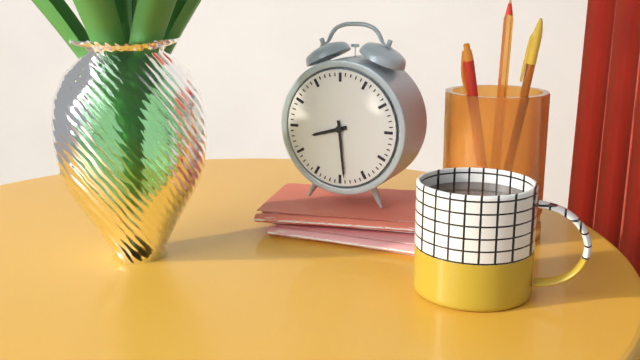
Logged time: 8 h 29 min
